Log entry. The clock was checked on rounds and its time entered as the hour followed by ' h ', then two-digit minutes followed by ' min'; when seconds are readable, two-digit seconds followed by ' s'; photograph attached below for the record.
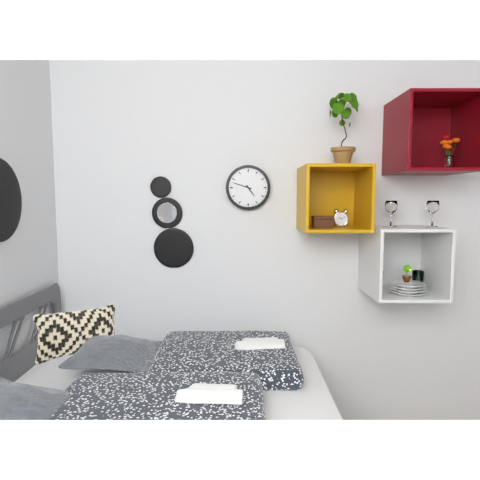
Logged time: 4 h 48 min
